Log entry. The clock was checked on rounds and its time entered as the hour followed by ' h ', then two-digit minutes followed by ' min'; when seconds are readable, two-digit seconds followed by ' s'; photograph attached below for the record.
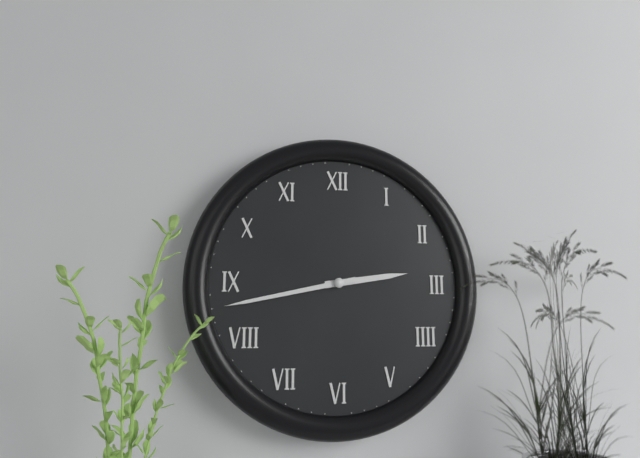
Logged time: 2 h 43 min
